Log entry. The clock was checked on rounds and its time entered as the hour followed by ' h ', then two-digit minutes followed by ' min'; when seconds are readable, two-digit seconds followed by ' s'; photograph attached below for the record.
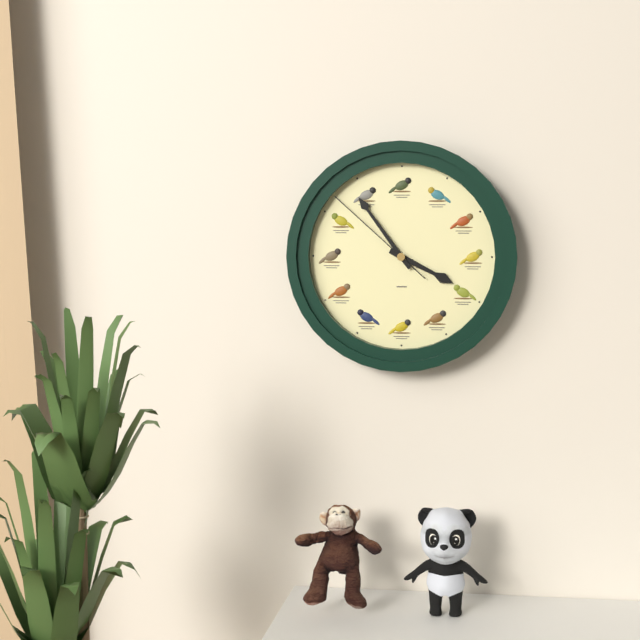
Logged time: 3 h 54 min 52 s
